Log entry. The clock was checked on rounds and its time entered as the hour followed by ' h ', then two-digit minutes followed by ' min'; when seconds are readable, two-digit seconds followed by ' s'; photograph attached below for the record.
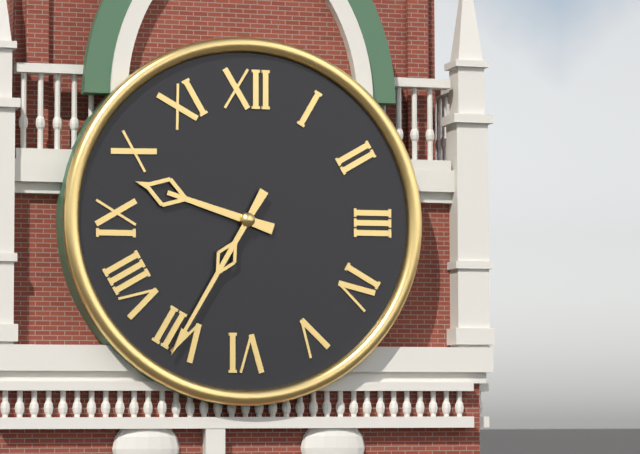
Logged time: 9 h 35 min
